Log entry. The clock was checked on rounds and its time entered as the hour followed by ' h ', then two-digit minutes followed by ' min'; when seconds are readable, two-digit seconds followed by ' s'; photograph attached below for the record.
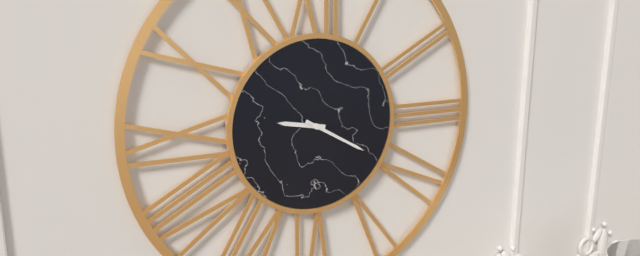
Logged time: 9 h 20 min
